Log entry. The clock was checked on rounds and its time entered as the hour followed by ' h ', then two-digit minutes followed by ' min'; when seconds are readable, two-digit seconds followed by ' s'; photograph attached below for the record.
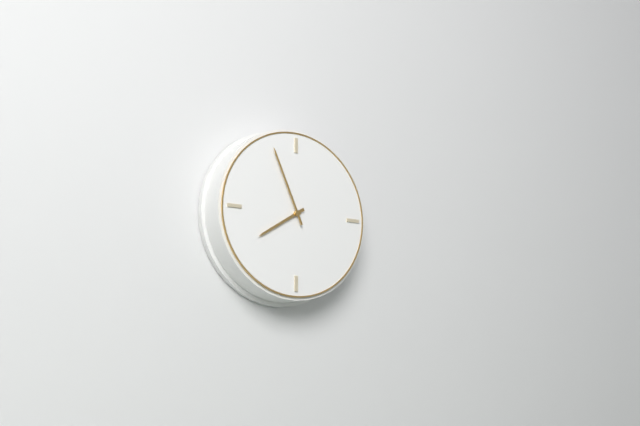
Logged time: 7 h 56 min
